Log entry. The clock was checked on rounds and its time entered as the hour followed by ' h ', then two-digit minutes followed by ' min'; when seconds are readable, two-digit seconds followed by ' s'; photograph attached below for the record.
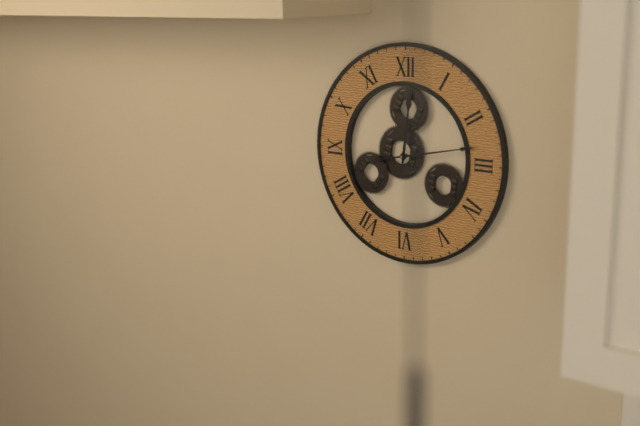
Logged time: 12 h 13 min
